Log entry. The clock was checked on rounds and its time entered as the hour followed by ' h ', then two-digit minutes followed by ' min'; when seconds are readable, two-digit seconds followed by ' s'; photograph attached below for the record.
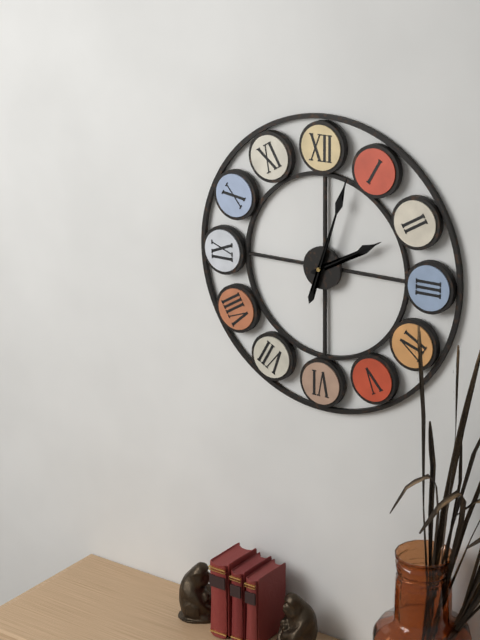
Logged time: 2 h 03 min
